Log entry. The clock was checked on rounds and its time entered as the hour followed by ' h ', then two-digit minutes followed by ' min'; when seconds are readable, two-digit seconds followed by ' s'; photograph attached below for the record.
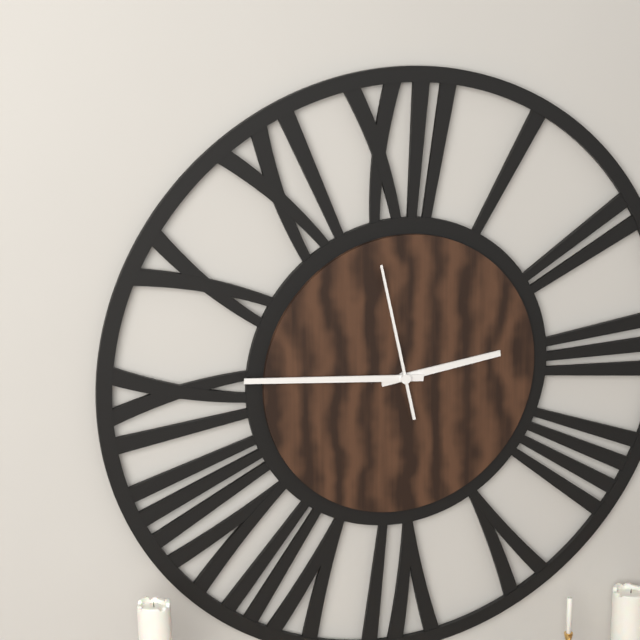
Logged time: 2 h 46 min 58 s
